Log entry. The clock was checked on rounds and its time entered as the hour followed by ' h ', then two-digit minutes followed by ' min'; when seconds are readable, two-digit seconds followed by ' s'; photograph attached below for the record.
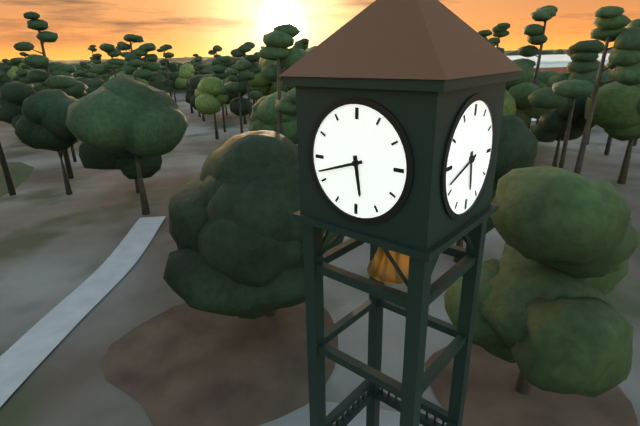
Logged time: 5 h 42 min
